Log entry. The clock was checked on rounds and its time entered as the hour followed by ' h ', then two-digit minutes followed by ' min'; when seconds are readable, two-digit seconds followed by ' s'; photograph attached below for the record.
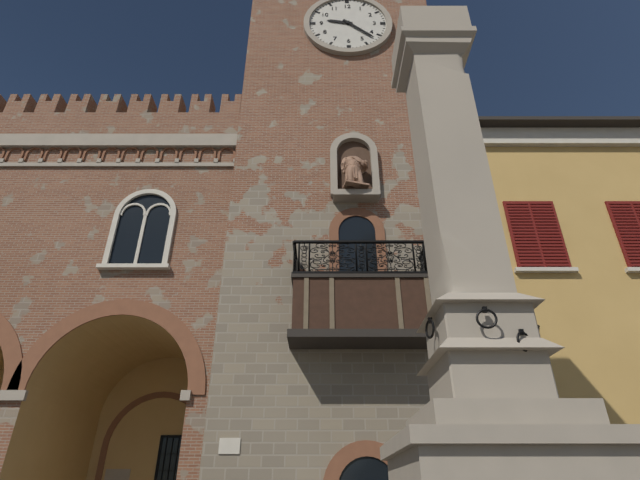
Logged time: 9 h 22 min
